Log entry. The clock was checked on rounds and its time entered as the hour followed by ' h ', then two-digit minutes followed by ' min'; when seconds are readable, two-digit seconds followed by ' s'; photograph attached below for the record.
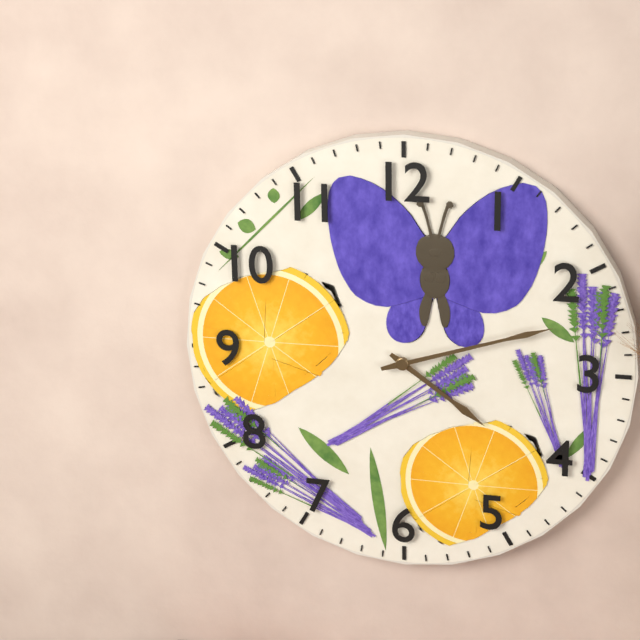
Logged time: 4 h 12 min
